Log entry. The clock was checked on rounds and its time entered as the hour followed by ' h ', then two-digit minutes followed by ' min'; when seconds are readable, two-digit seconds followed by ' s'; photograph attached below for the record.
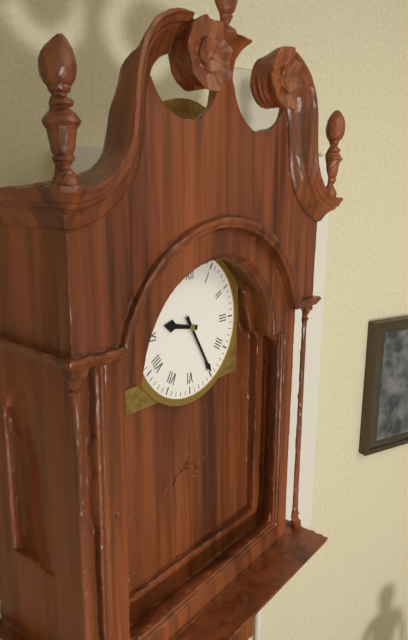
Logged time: 9 h 25 min
